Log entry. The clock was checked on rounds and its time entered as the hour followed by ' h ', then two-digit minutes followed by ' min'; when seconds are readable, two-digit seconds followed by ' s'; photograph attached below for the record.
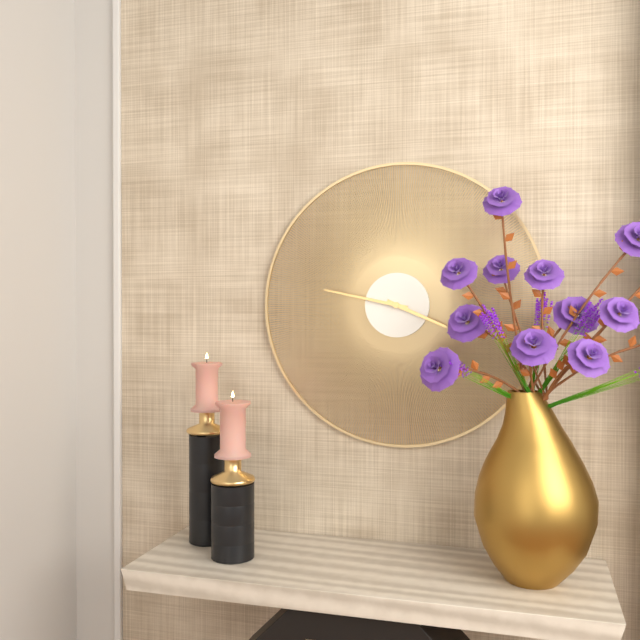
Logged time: 3 h 47 min
